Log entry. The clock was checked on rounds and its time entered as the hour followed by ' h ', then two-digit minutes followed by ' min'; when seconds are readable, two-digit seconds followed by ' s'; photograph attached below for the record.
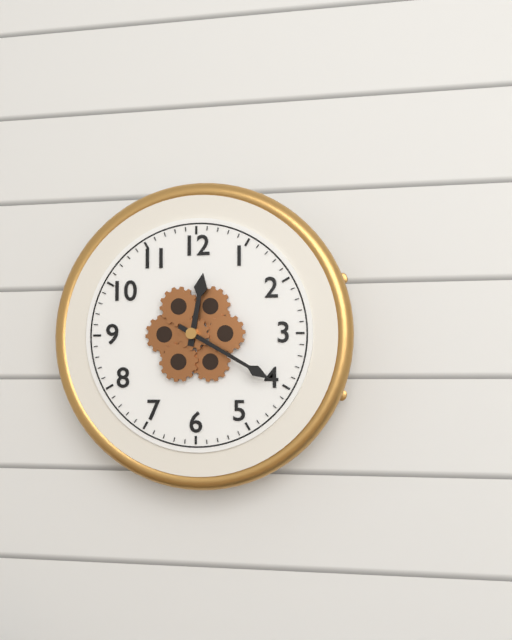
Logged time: 12 h 20 min
